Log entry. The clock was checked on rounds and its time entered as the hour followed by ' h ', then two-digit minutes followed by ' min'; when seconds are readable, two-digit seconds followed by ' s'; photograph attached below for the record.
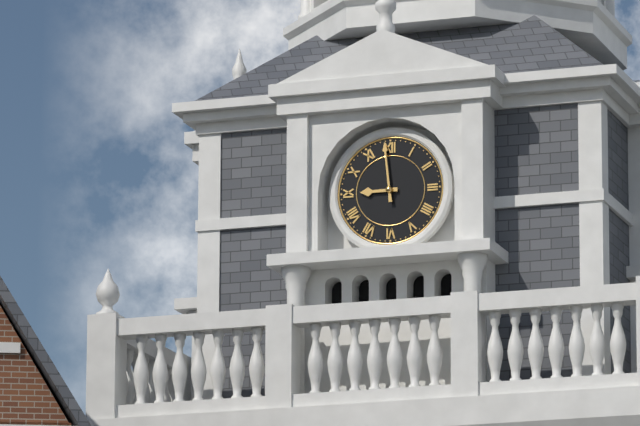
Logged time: 8 h 59 min
